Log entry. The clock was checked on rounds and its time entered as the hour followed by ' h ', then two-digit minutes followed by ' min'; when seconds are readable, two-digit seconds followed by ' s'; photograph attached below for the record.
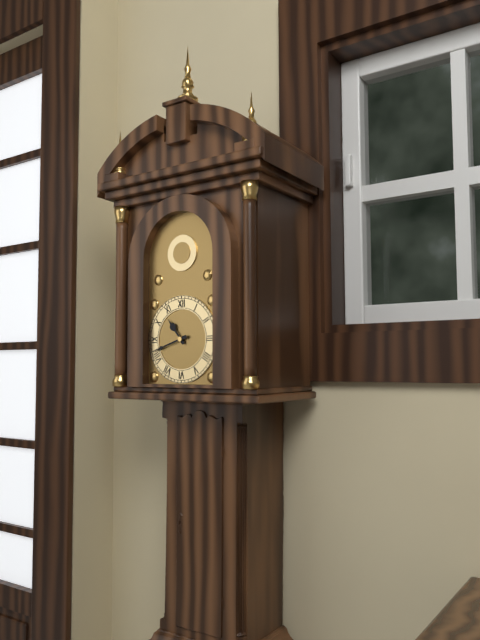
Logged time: 10 h 42 min
